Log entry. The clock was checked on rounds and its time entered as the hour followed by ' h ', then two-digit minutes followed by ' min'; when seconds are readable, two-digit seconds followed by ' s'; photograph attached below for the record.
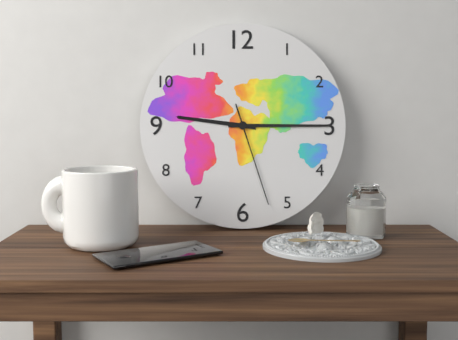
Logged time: 9 h 15 min 27 s
